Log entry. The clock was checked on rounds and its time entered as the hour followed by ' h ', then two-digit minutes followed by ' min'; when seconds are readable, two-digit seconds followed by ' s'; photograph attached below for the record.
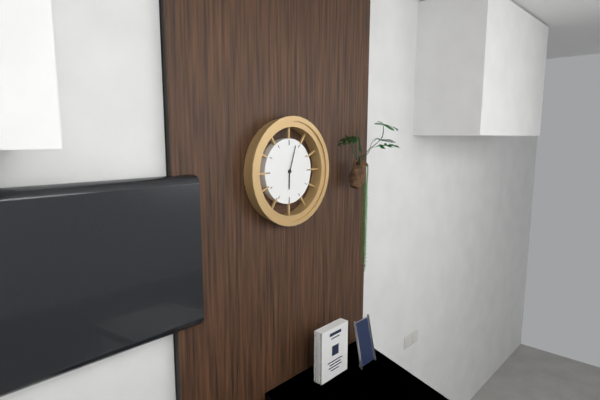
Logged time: 6 h 03 min
